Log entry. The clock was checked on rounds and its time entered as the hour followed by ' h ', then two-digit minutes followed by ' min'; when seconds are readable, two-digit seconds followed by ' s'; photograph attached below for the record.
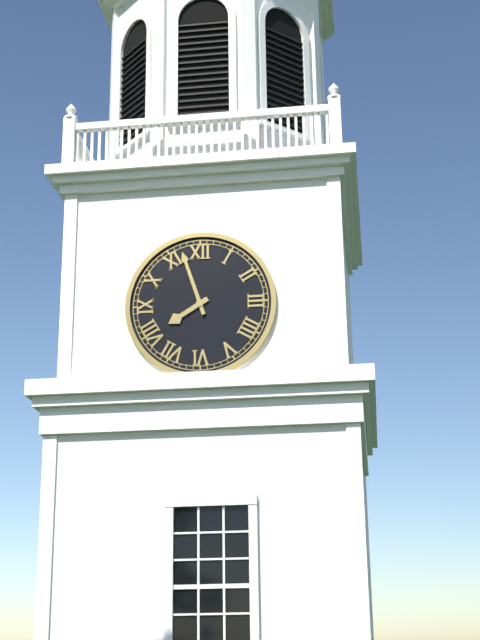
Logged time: 7 h 57 min
